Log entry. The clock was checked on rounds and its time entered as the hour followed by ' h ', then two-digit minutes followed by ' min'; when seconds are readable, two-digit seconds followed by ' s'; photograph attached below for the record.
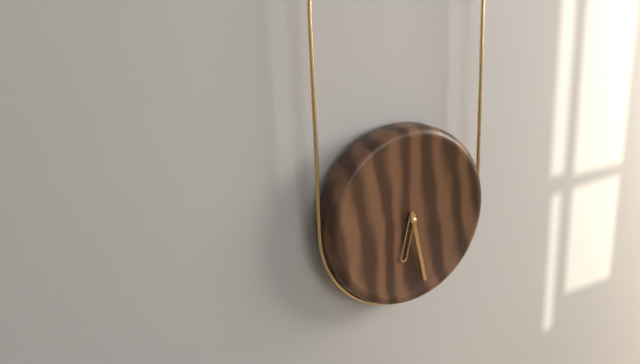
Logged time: 6 h 28 min
